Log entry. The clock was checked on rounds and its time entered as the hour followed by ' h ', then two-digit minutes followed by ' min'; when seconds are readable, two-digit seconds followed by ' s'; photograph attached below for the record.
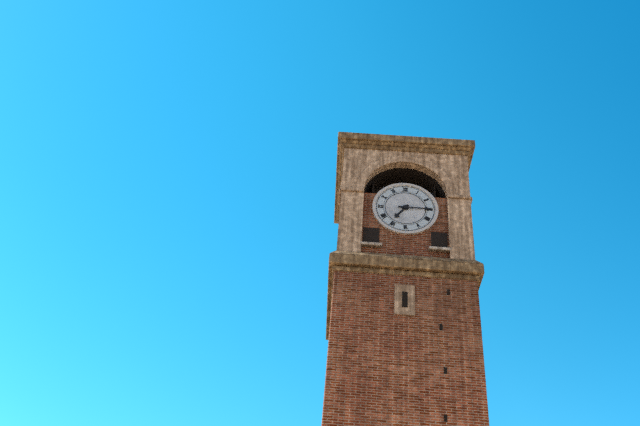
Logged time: 7 h 15 min
